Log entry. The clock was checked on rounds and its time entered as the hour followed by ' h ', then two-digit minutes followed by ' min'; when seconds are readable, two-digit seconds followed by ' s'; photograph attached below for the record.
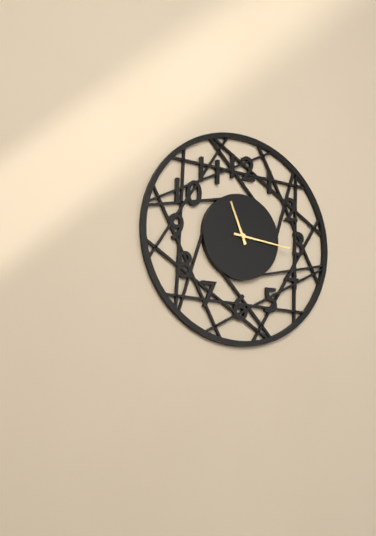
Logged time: 11 h 16 min
